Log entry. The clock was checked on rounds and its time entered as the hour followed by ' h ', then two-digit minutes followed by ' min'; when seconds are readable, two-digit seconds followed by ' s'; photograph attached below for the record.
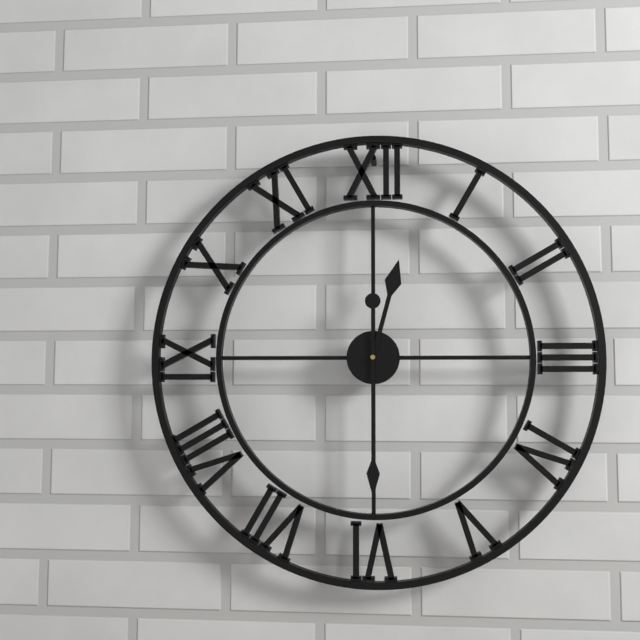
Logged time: 12 h 30 min
